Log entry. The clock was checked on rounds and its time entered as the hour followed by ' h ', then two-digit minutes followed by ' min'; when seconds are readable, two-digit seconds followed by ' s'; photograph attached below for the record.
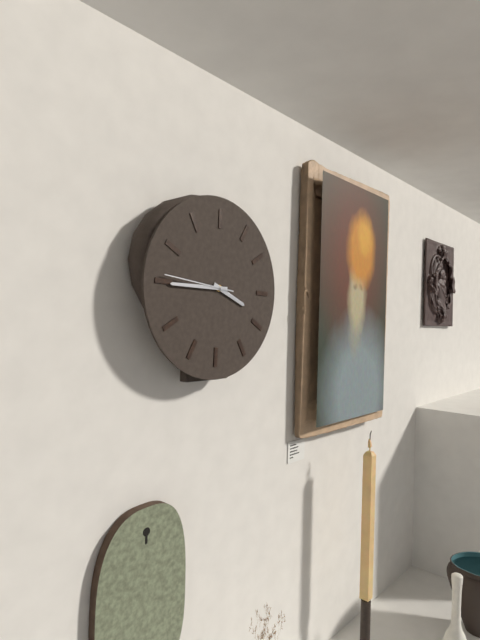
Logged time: 3 h 45 min 46 s
